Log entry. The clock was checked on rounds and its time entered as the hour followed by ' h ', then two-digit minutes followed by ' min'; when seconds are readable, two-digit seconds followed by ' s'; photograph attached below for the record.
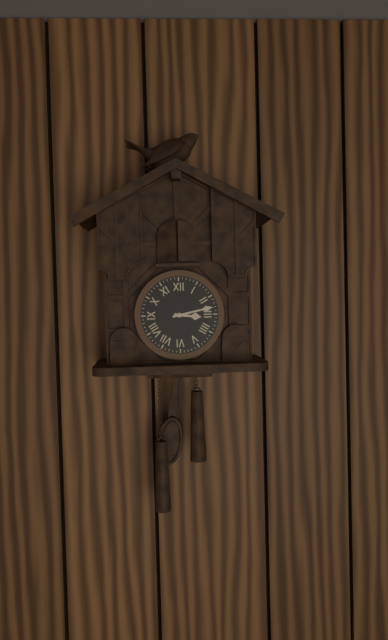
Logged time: 3 h 13 min
